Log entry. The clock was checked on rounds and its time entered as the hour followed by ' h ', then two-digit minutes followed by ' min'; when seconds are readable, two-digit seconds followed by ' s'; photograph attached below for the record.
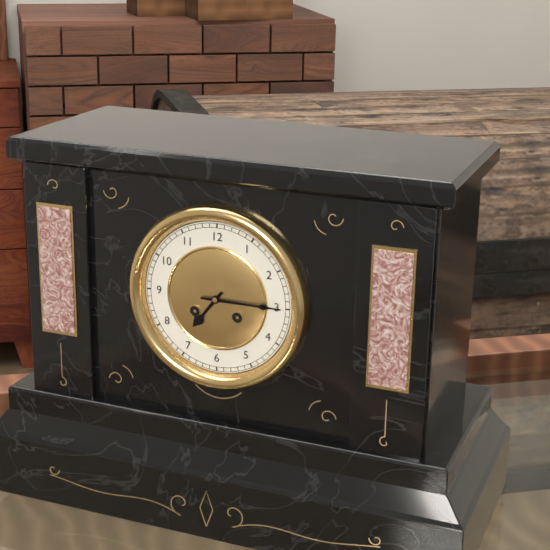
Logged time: 7 h 15 min
